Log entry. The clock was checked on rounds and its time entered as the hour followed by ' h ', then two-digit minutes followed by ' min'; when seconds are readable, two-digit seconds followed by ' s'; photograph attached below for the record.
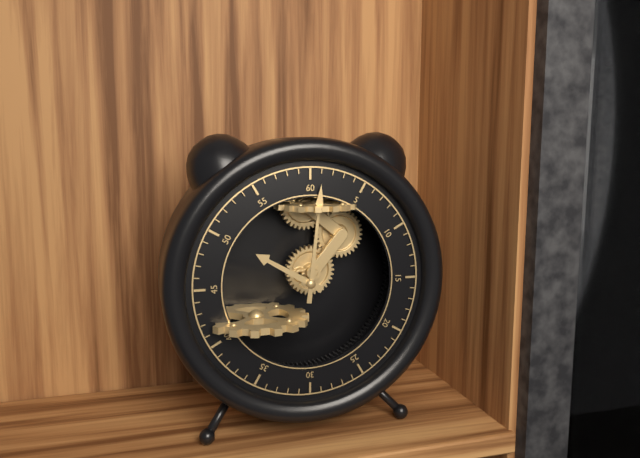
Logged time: 10 h 01 min
